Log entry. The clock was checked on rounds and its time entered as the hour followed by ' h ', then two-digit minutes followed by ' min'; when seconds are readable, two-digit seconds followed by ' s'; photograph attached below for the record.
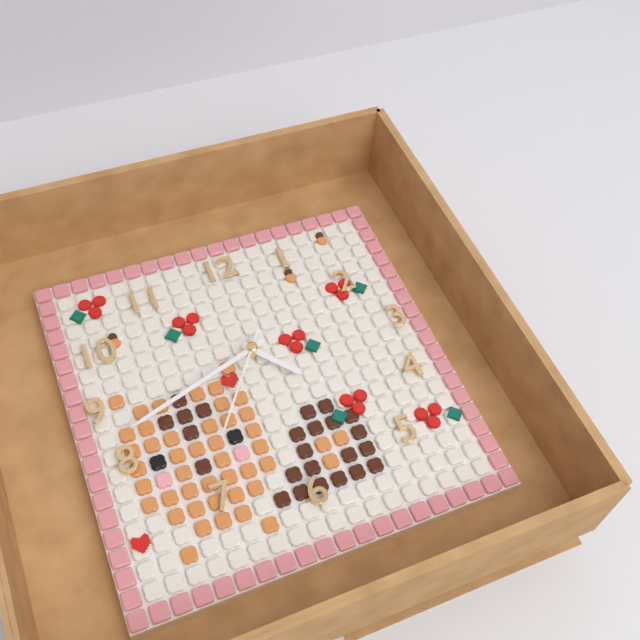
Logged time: 4 h 42 min 36 s
